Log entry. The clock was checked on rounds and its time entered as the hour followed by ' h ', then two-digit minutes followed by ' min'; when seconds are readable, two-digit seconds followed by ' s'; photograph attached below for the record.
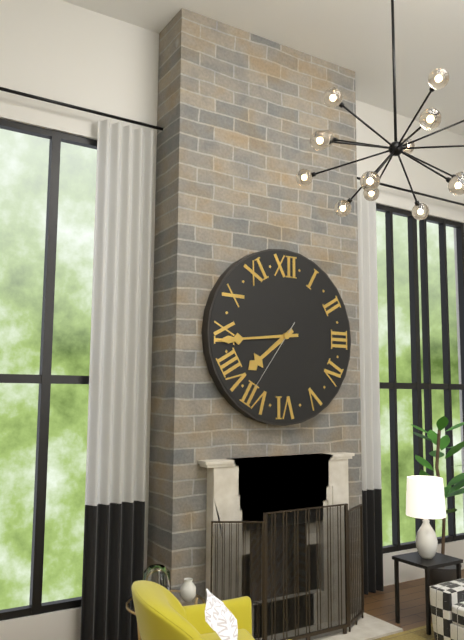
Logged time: 7 h 44 min 36 s
